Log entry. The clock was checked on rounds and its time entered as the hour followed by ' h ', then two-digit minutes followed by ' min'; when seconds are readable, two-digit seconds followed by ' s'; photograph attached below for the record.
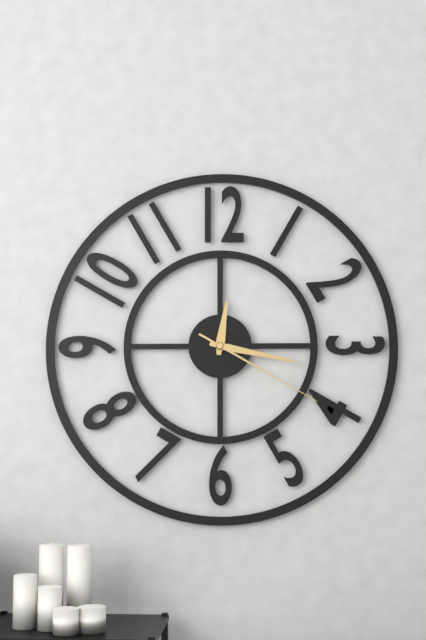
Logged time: 12 h 17 min 20 s
